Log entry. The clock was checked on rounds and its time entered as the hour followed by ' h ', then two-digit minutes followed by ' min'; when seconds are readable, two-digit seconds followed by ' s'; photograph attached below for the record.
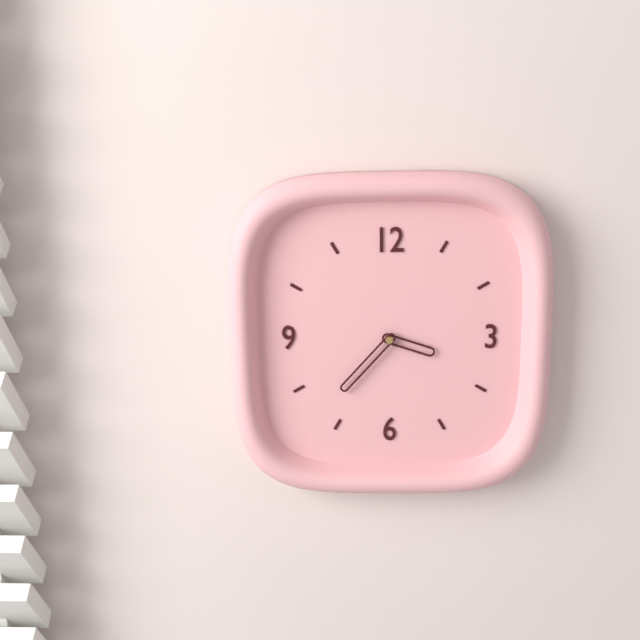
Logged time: 3 h 37 min
